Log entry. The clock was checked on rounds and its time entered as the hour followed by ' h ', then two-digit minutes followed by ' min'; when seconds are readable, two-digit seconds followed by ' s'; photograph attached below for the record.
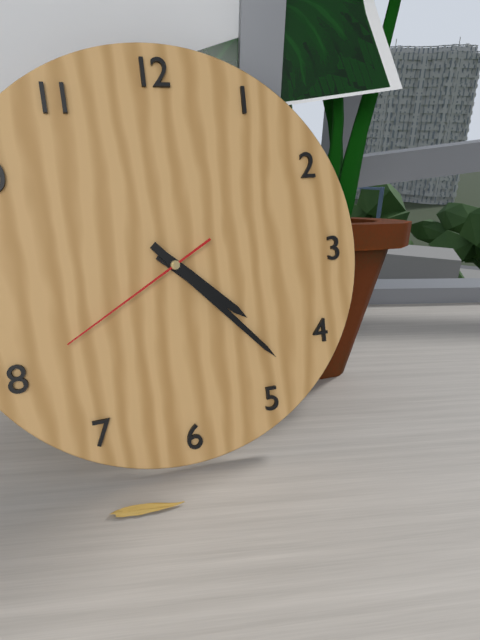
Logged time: 4 h 23 min 40 s
